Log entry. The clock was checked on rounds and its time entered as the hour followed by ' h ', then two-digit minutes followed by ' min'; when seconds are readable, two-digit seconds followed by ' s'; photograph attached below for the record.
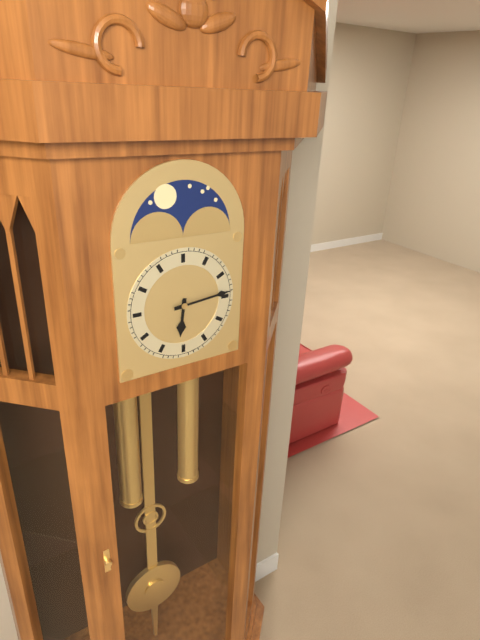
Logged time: 6 h 14 min
